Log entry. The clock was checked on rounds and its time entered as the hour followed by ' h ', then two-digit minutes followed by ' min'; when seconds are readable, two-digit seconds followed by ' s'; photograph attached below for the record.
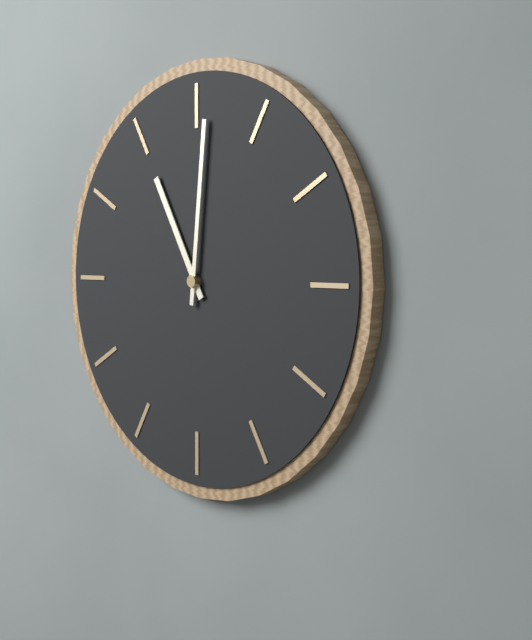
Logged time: 11 h 01 min
